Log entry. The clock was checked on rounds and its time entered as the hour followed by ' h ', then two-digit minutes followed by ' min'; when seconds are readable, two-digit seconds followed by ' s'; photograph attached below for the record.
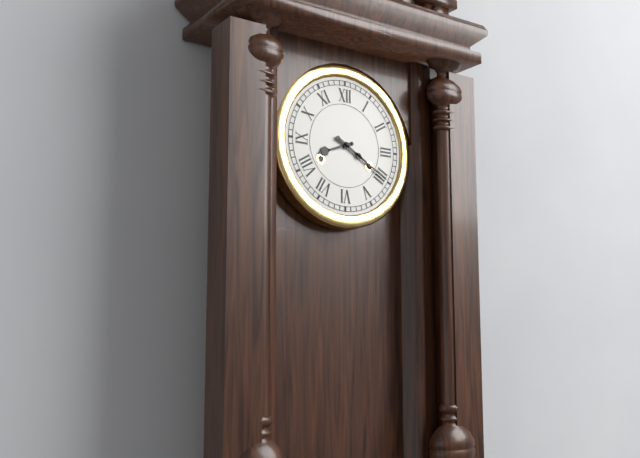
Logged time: 8 h 20 min
